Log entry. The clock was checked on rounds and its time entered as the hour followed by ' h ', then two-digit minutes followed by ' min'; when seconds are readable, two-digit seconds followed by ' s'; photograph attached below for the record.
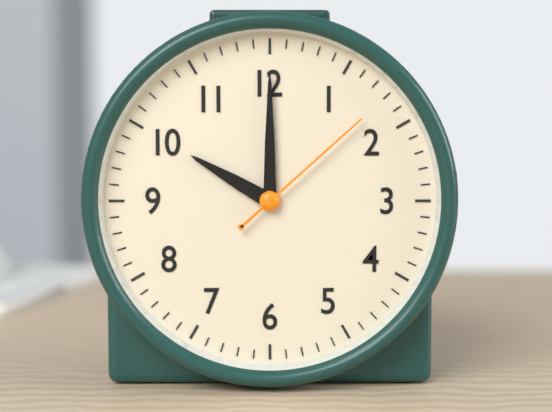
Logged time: 10 h 00 min 08 s
